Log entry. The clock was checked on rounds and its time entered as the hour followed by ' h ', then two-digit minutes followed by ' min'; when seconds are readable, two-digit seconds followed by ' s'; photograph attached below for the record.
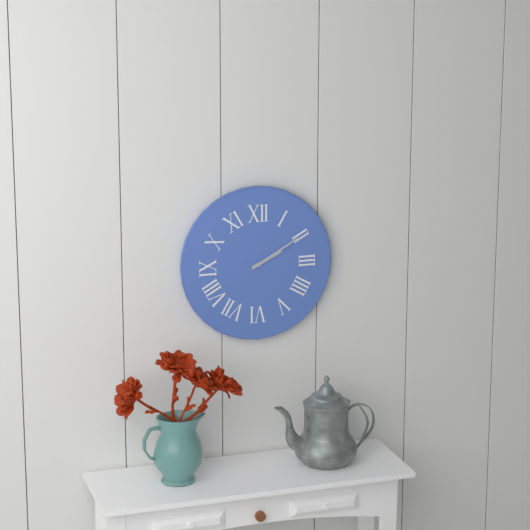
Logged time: 2 h 10 min
